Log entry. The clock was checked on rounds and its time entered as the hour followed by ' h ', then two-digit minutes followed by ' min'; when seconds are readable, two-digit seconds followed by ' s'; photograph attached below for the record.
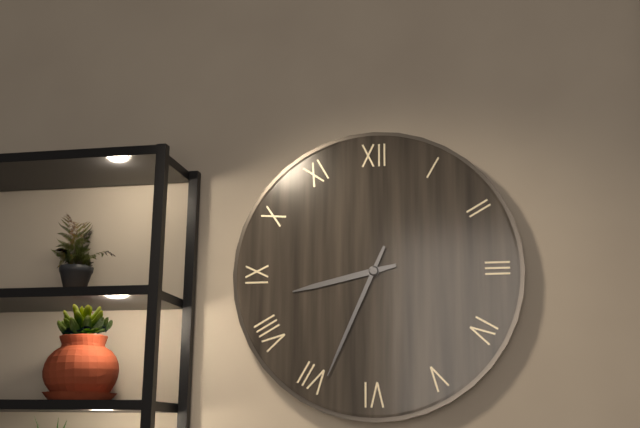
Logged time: 8 h 34 min
